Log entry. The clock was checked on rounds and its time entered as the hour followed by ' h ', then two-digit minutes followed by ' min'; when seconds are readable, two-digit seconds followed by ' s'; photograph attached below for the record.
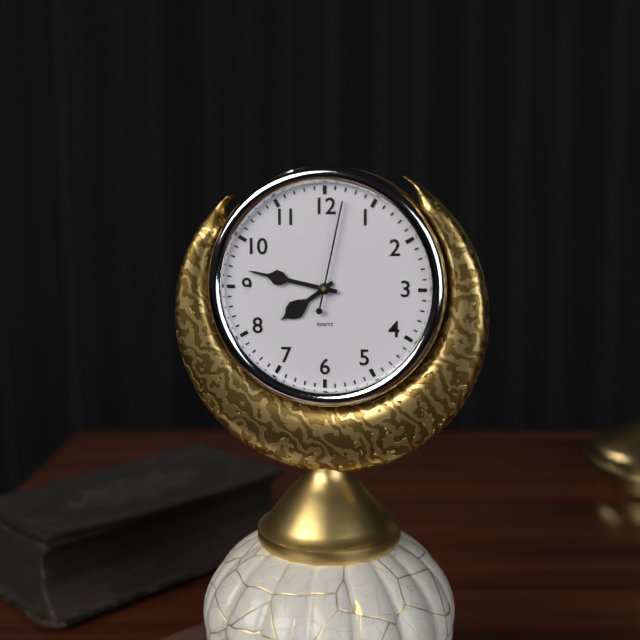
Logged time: 7 h 47 min 02 s
